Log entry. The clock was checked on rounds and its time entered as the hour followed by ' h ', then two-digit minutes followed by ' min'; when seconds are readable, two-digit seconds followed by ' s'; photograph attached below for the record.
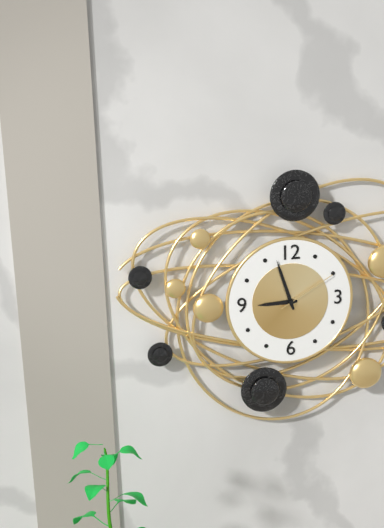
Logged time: 8 h 57 min 10 s
